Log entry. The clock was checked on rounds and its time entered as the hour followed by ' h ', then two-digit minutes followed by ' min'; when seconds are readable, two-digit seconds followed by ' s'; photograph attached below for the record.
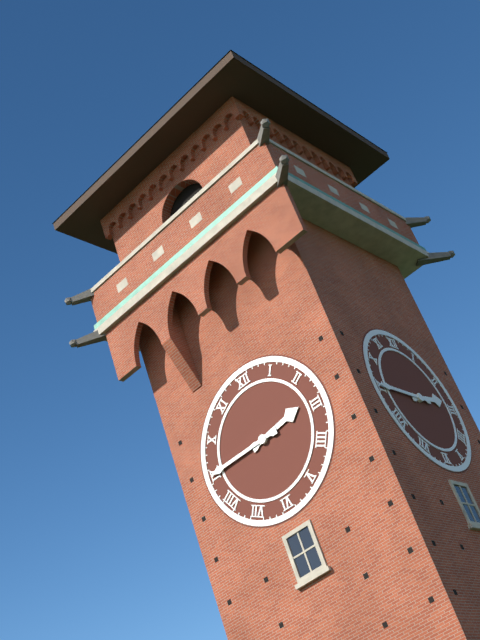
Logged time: 2 h 45 min
